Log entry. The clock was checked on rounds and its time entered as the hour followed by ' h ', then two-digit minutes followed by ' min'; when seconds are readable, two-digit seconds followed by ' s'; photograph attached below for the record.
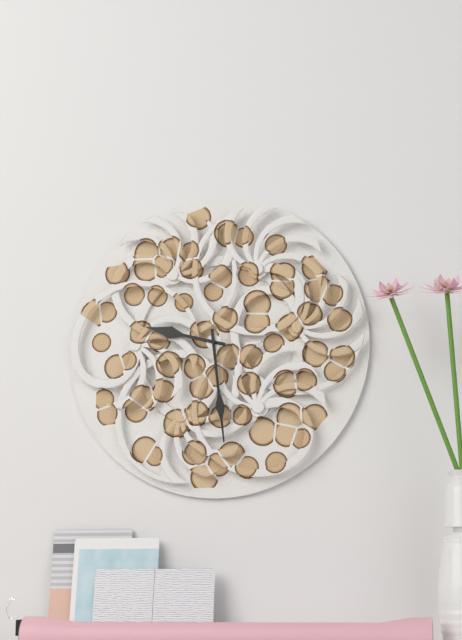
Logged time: 9 h 29 min
